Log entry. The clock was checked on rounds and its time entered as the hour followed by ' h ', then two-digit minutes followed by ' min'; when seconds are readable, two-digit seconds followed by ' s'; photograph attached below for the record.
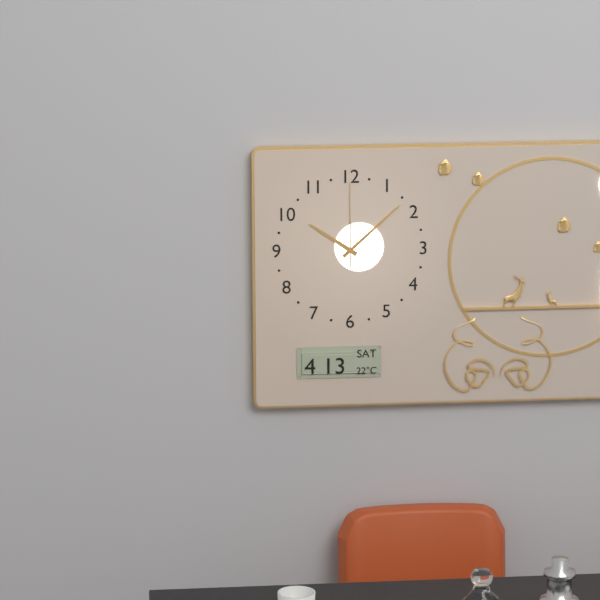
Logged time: 10 h 08 min 00 s
